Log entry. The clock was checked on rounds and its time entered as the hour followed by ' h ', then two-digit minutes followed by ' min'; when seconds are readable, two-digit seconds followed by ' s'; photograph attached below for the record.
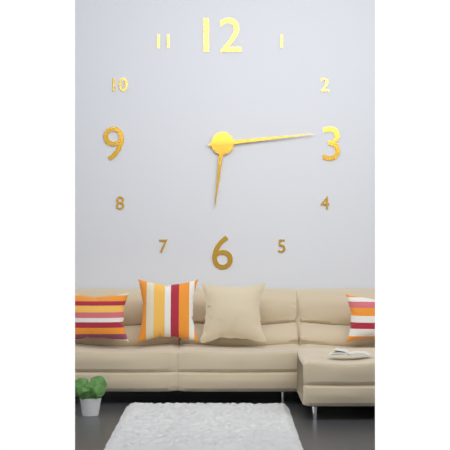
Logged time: 6 h 14 min
